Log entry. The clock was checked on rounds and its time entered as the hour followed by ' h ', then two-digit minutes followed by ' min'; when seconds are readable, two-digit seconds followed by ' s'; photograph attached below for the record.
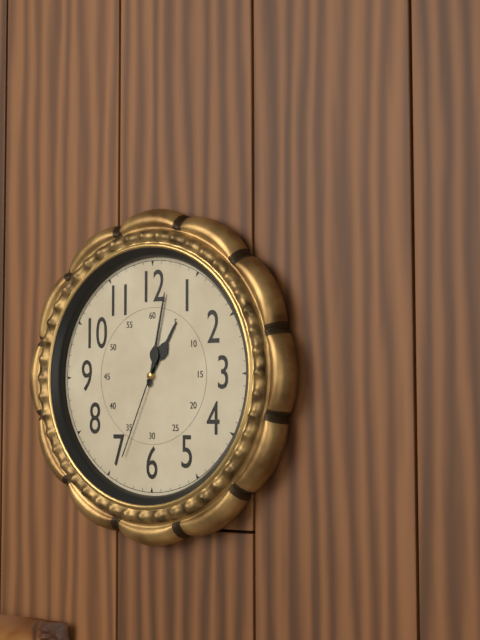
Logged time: 1 h 02 min 34 s
